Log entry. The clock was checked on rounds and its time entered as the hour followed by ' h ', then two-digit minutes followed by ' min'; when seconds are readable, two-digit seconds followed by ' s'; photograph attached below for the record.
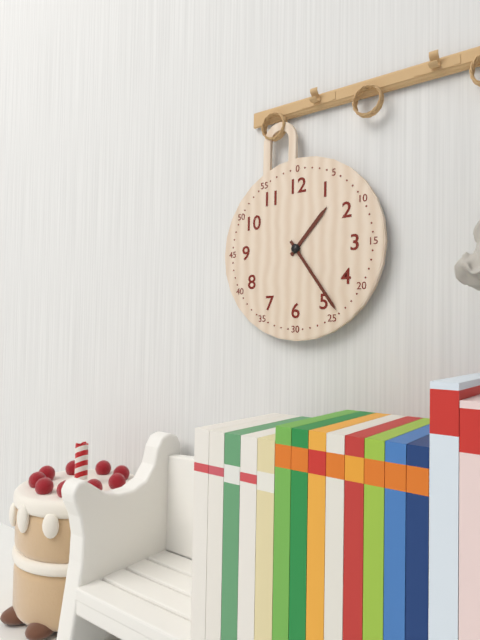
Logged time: 1 h 24 min
